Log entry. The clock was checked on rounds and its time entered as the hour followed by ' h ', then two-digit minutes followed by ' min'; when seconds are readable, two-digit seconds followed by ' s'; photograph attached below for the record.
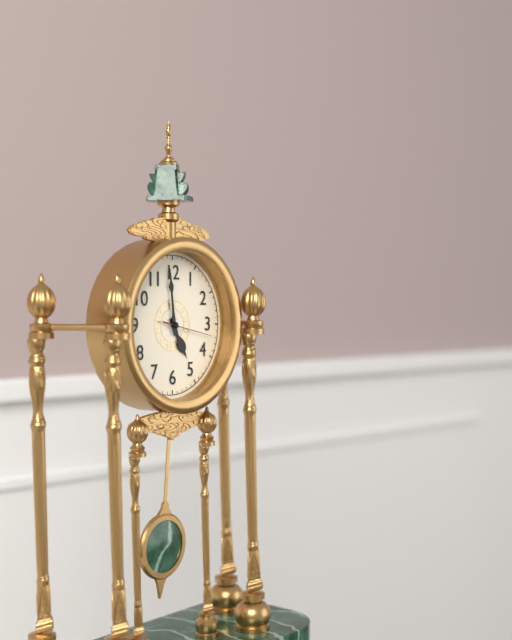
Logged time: 4 h 59 min 17 s
